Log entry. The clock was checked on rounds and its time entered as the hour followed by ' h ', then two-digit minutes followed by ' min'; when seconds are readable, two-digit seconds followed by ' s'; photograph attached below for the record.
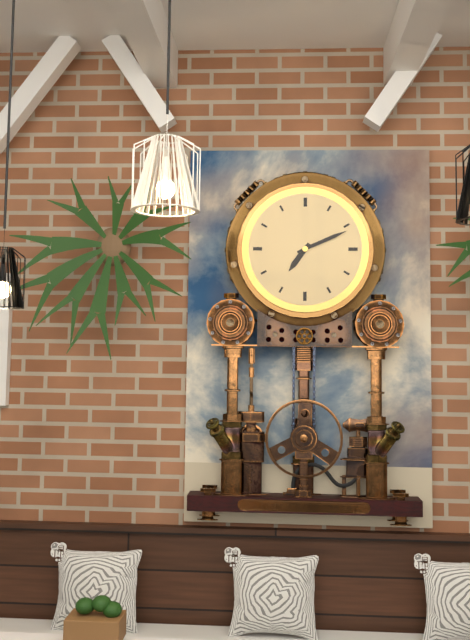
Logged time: 7 h 11 min
